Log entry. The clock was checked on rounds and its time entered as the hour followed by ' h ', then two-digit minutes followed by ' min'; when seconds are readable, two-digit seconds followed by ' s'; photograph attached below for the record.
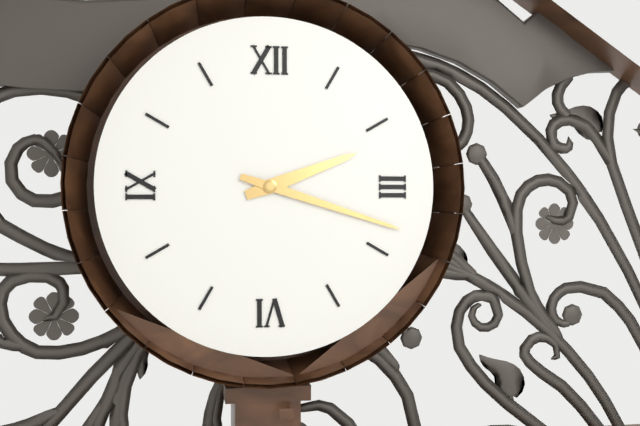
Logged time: 2 h 18 min
